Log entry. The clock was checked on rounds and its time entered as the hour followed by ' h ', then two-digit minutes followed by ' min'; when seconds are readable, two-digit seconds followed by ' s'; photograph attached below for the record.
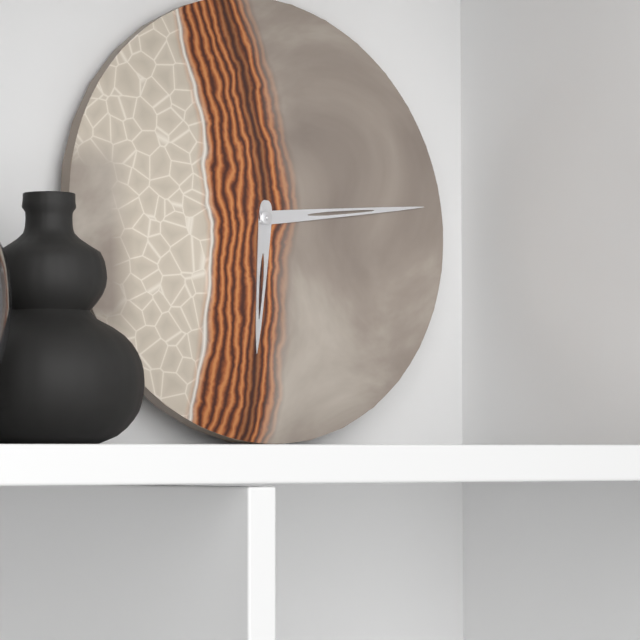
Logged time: 6 h 14 min
